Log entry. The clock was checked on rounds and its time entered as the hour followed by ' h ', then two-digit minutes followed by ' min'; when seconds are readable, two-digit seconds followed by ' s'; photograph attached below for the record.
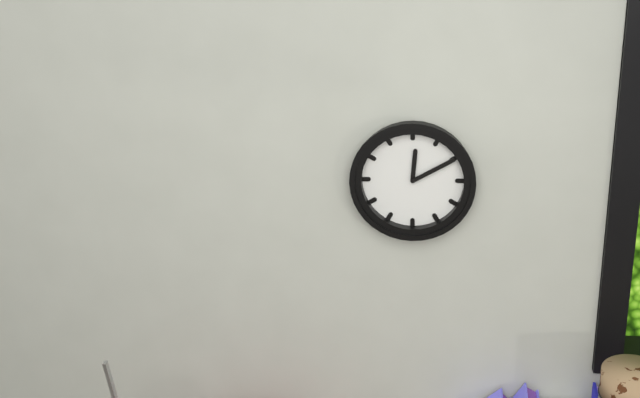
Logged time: 12 h 10 min
